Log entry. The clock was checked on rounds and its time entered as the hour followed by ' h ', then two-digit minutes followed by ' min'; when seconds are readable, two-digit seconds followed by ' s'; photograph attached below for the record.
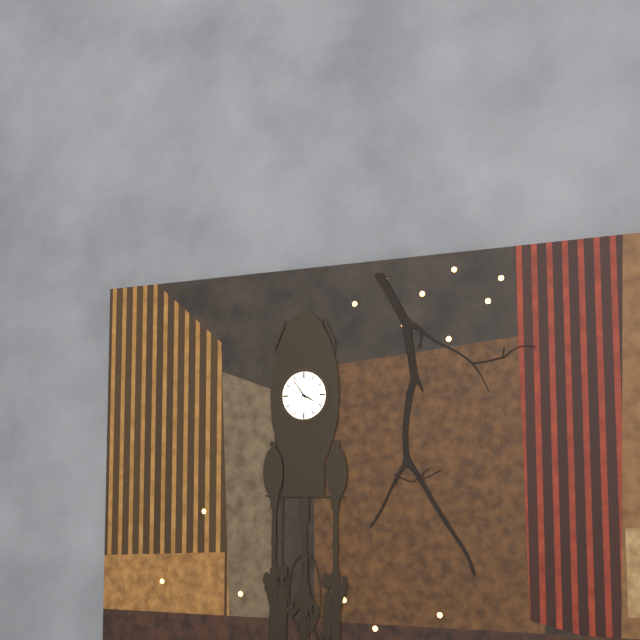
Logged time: 3 h 54 min
